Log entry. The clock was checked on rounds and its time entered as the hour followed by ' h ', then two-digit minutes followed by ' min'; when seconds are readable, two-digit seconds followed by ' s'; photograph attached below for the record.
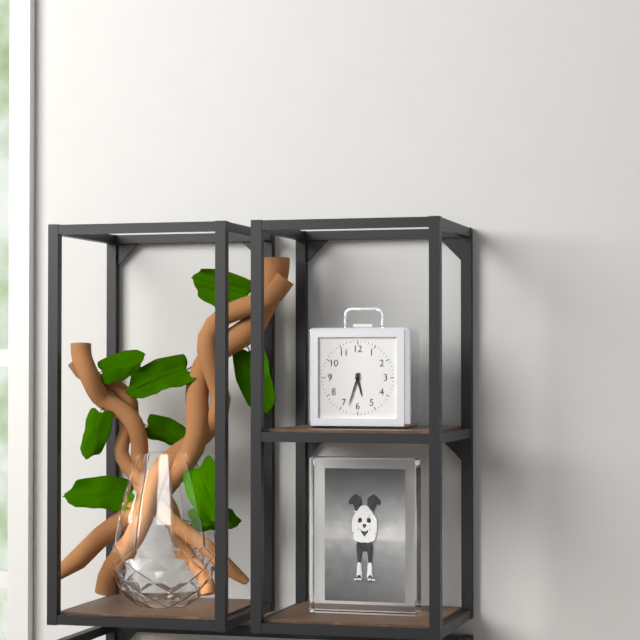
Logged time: 5 h 33 min
